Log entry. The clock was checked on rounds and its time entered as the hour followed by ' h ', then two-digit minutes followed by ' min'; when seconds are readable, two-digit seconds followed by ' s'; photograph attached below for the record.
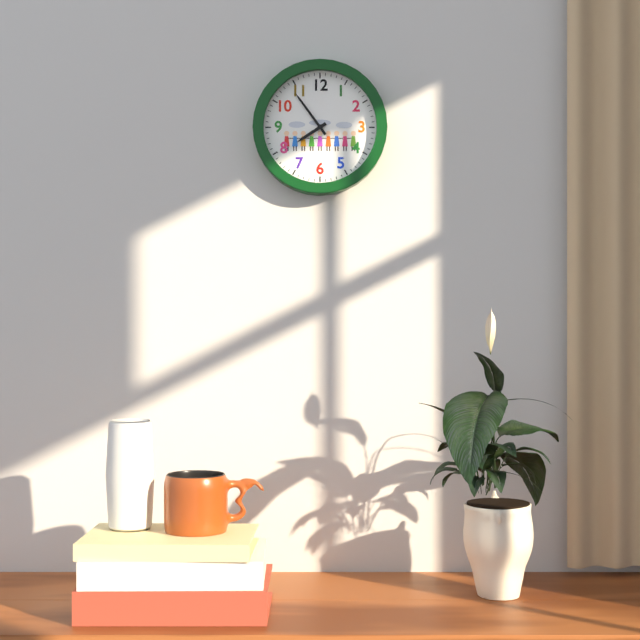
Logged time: 7 h 54 min
